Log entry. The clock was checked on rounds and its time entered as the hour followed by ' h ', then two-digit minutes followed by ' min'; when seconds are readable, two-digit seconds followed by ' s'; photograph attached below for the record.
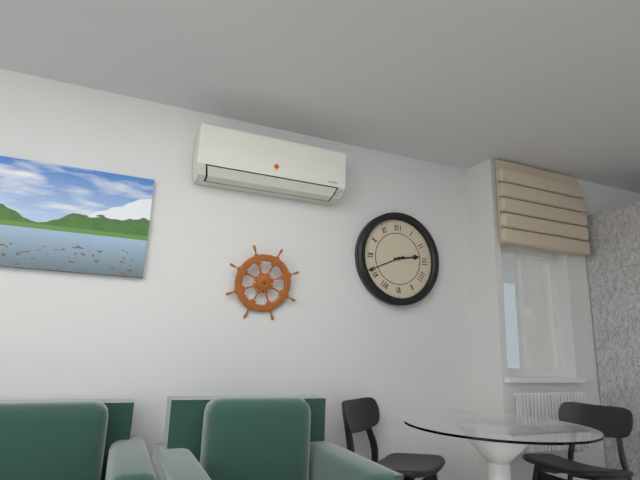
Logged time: 2 h 41 min
